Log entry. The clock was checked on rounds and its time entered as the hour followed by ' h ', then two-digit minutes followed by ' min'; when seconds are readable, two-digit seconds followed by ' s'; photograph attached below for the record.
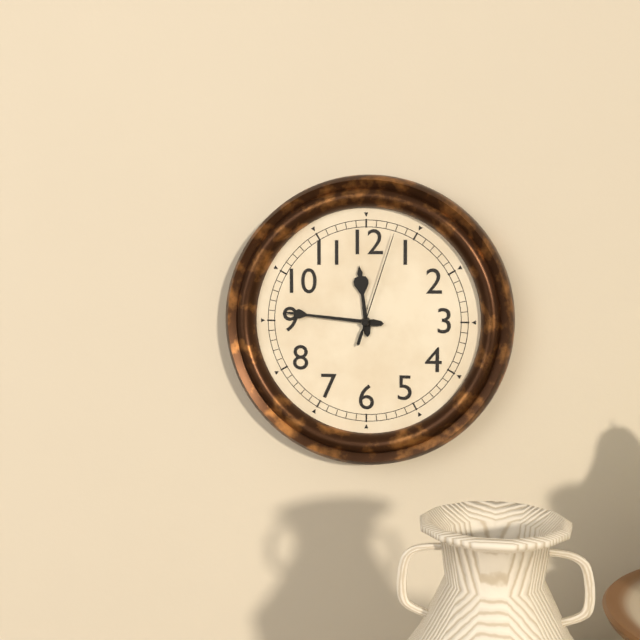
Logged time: 11 h 46 min 03 s
